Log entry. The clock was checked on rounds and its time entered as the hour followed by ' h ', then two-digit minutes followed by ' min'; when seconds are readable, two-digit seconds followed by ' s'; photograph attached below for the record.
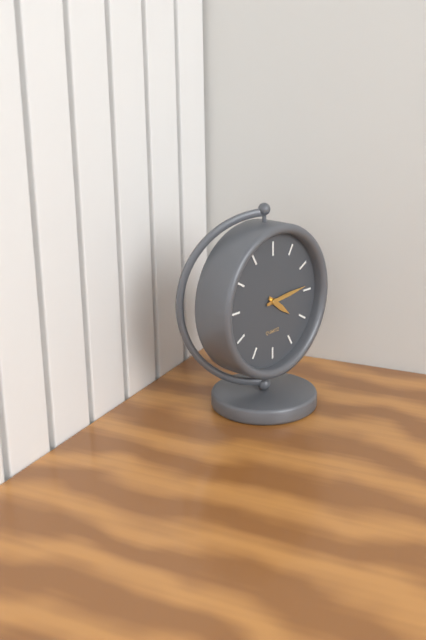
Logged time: 4 h 14 min
